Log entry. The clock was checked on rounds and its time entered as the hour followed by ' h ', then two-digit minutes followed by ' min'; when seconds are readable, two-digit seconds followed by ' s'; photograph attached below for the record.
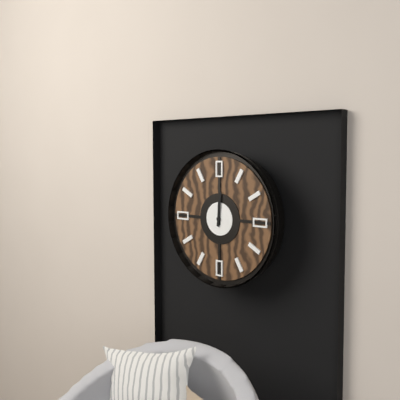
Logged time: 12 h 01 min
